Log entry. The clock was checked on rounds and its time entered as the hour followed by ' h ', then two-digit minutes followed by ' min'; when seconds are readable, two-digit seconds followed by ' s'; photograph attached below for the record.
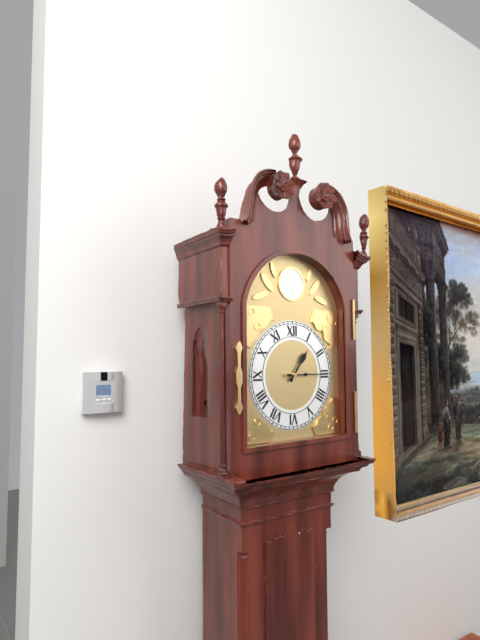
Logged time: 1 h 15 min
